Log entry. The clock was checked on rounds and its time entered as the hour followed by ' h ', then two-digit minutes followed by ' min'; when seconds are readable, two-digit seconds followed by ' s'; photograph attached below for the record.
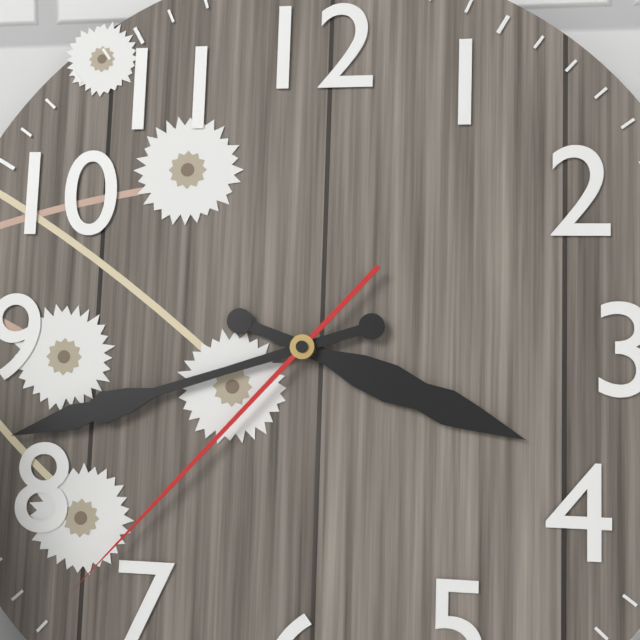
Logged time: 3 h 42 min 37 s
